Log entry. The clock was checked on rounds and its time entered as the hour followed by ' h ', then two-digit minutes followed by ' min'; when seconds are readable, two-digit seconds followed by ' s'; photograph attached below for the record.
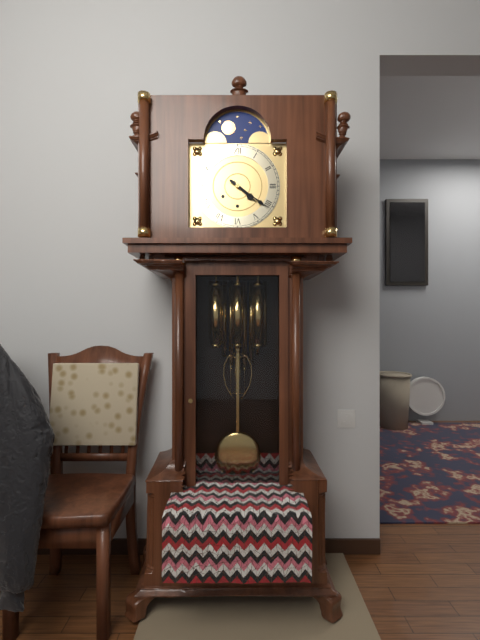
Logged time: 4 h 21 min
